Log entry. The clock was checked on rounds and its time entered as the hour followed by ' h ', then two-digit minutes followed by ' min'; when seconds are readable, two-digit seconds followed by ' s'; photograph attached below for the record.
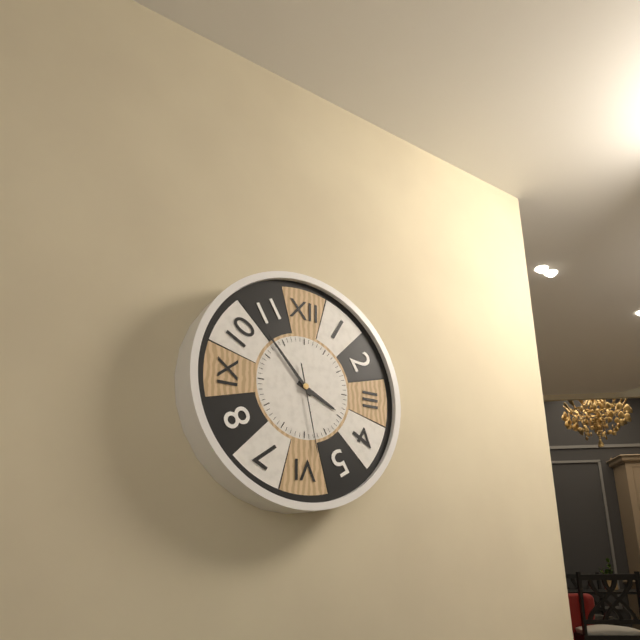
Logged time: 3 h 53 min 28 s
